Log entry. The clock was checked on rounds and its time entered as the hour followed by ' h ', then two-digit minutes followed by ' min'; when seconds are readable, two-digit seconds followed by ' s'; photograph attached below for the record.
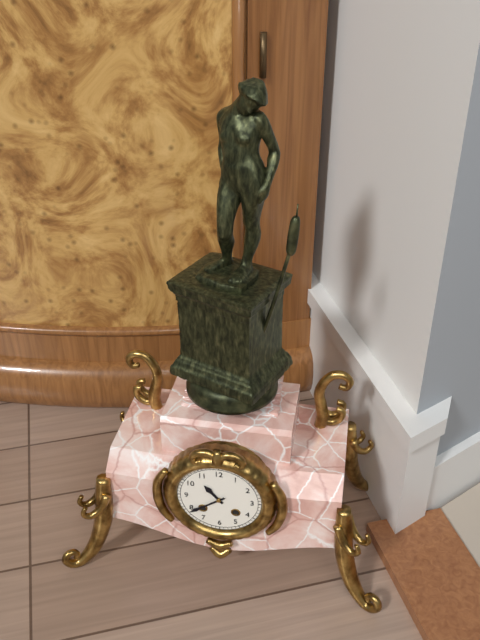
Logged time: 10 h 39 min
